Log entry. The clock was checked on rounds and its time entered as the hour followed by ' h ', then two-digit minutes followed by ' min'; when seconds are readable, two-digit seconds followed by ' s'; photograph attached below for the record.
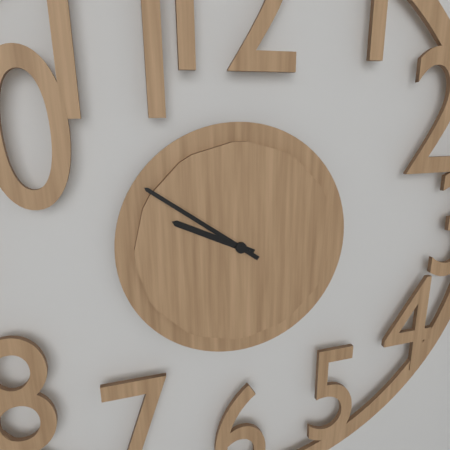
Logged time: 9 h 51 min
